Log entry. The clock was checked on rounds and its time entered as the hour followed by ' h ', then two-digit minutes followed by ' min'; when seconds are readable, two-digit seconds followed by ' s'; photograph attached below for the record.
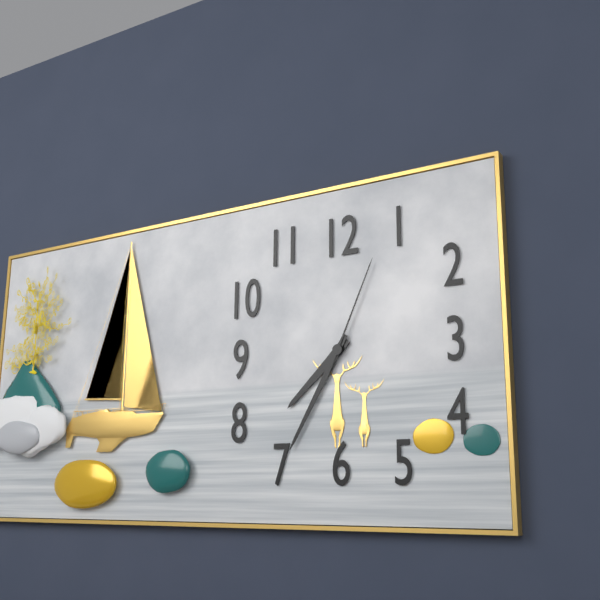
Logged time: 7 h 35 min 04 s
